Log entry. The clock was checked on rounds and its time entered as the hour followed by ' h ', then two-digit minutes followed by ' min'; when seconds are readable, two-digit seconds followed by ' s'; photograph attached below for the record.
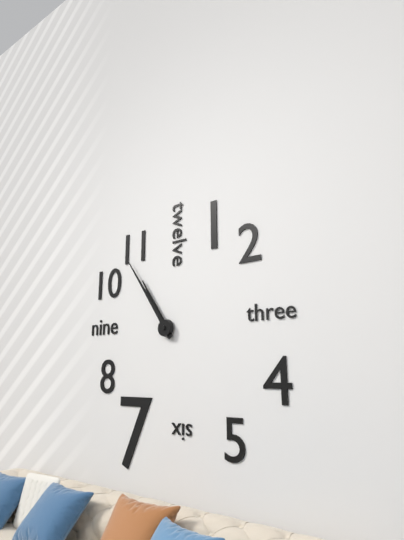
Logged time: 10 h 54 min
